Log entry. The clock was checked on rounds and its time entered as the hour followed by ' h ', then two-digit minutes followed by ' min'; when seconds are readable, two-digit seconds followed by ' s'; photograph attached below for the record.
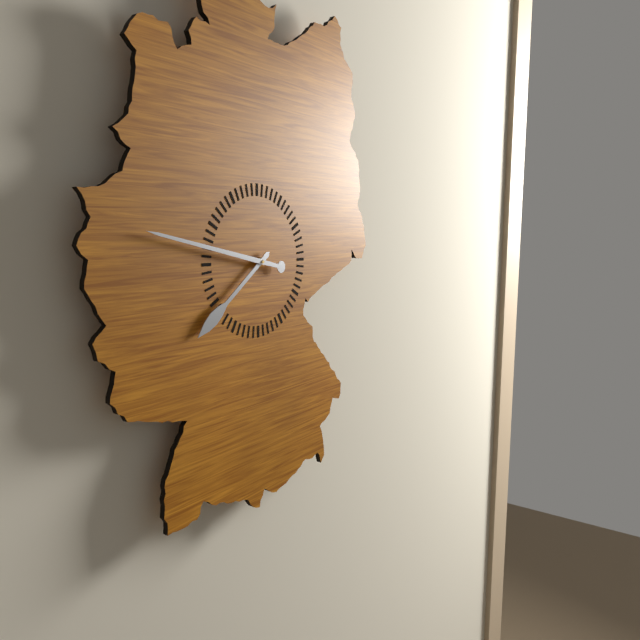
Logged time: 7 h 47 min
